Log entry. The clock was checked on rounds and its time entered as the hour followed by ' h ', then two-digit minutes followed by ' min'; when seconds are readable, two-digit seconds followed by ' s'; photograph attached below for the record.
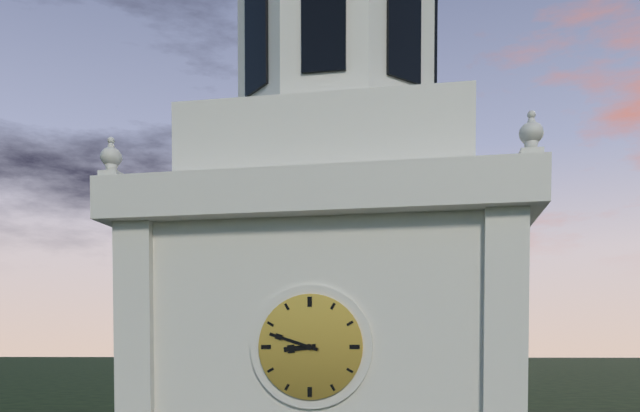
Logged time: 8 h 48 min
